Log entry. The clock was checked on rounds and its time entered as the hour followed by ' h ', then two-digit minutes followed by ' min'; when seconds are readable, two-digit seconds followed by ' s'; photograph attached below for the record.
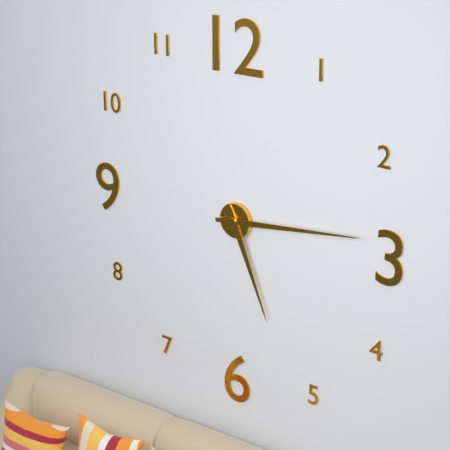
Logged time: 5 h 14 min
